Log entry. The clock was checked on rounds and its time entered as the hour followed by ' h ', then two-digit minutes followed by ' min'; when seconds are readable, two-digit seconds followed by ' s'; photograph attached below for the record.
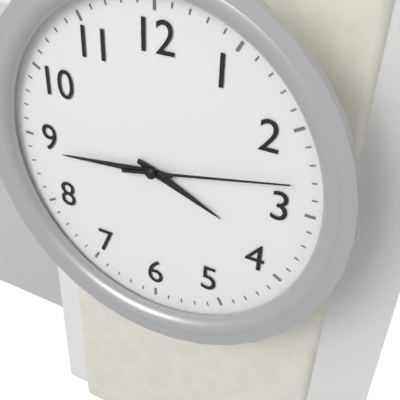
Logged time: 3 h 44 min 13 s
